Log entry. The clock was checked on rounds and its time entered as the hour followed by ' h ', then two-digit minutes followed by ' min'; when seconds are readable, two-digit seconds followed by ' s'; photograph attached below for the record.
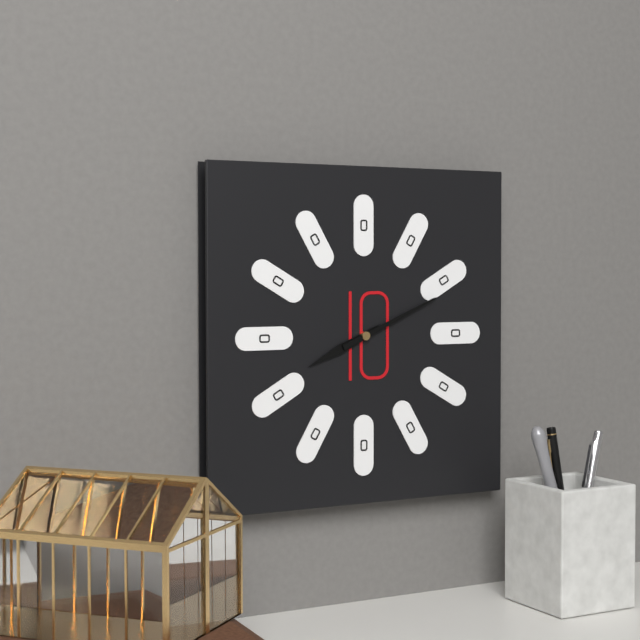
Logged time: 8 h 11 min
